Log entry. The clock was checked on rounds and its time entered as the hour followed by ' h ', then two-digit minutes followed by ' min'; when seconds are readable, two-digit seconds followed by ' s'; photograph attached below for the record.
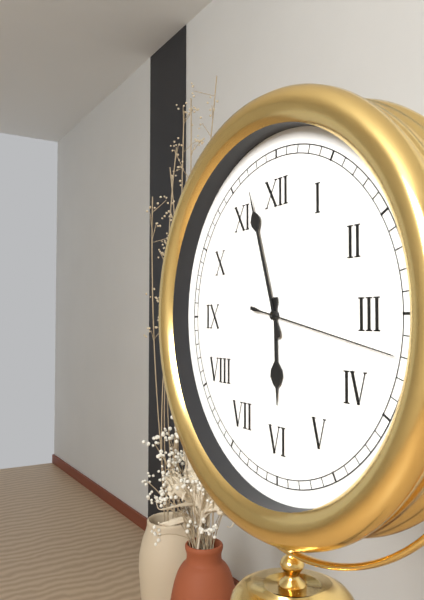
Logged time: 5 h 57 min 17 s
